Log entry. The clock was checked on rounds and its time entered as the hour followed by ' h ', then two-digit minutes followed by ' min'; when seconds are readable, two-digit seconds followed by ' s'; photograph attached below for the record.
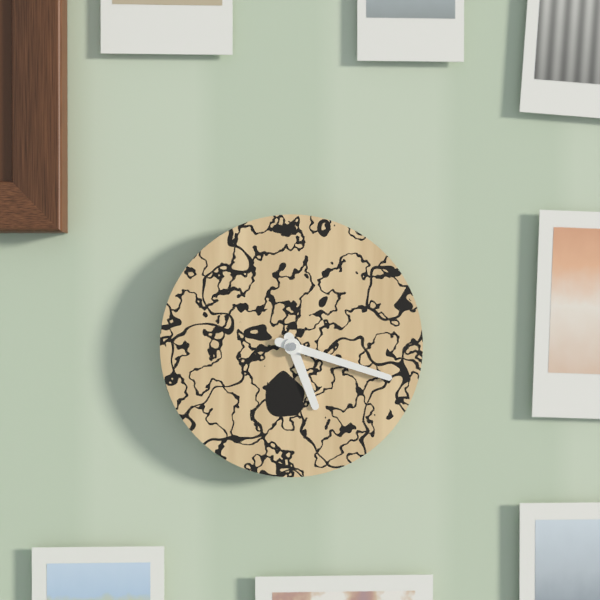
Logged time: 5 h 18 min
